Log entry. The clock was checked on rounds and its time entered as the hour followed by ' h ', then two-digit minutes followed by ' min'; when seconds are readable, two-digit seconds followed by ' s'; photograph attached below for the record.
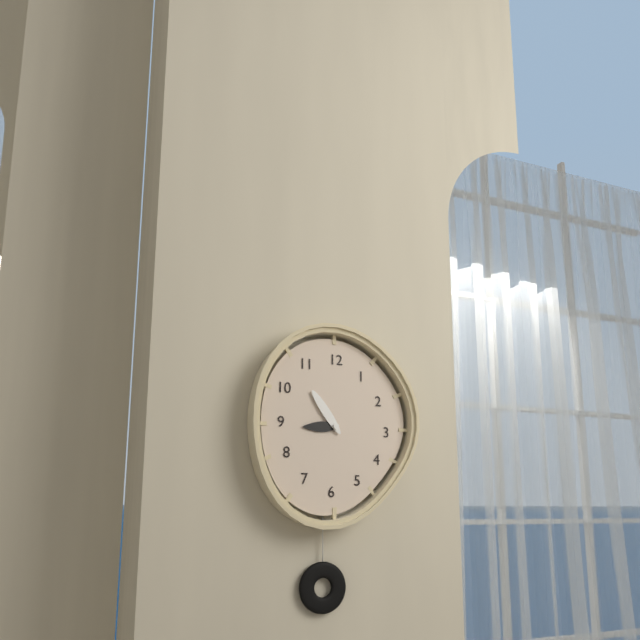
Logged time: 8 h 54 min
